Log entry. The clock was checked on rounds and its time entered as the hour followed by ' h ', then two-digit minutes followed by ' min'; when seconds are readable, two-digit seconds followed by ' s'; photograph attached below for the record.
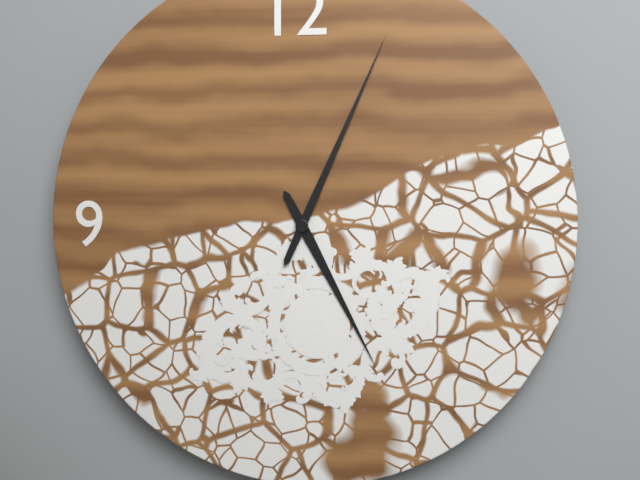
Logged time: 5 h 04 min
